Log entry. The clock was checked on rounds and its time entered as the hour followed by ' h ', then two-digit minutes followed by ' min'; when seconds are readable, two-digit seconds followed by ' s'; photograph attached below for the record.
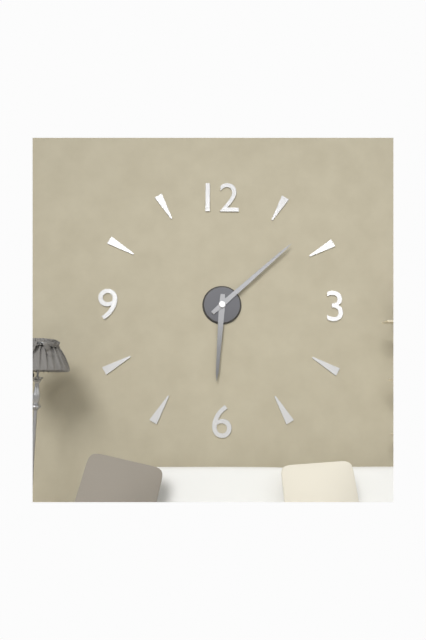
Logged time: 6 h 08 min
